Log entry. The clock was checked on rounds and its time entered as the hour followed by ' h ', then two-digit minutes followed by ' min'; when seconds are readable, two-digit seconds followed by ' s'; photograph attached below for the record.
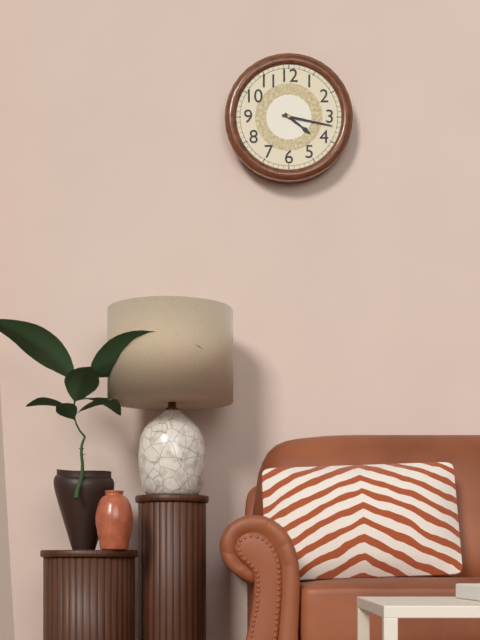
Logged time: 4 h 17 min
